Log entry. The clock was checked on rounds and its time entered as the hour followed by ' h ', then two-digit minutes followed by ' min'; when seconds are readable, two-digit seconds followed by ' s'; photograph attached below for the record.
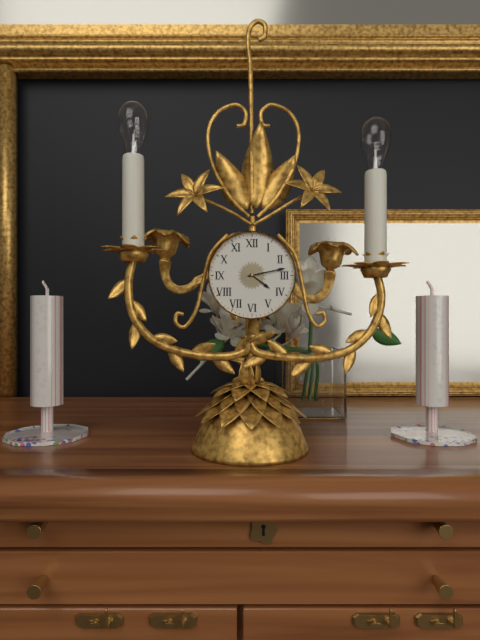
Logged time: 4 h 13 min
